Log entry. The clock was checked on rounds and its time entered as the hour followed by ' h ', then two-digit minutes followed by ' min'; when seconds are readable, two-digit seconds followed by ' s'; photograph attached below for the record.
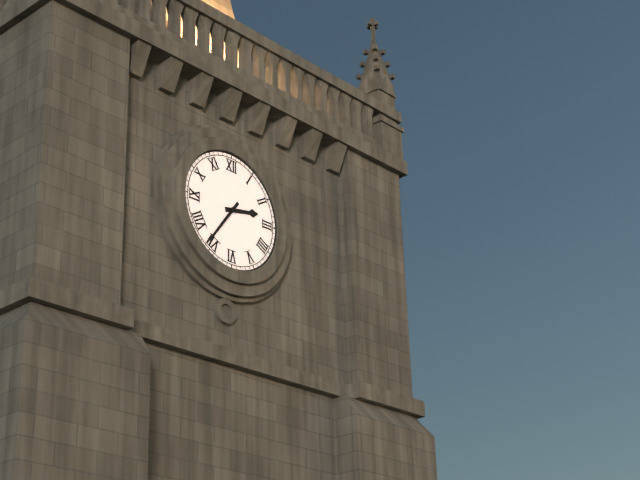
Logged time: 2 h 36 min
